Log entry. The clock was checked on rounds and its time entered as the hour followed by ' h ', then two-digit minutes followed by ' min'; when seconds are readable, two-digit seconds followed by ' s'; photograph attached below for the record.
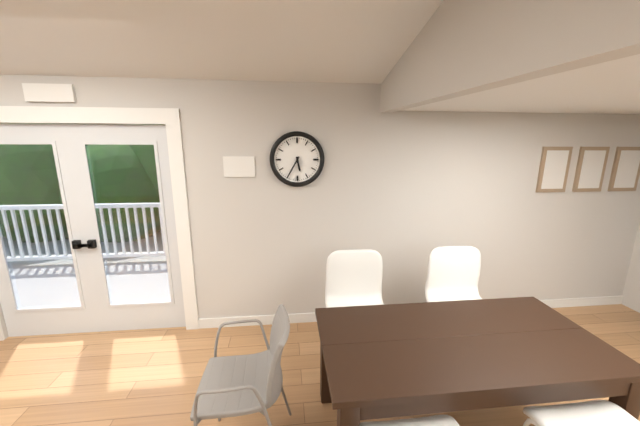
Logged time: 5 h 35 min
